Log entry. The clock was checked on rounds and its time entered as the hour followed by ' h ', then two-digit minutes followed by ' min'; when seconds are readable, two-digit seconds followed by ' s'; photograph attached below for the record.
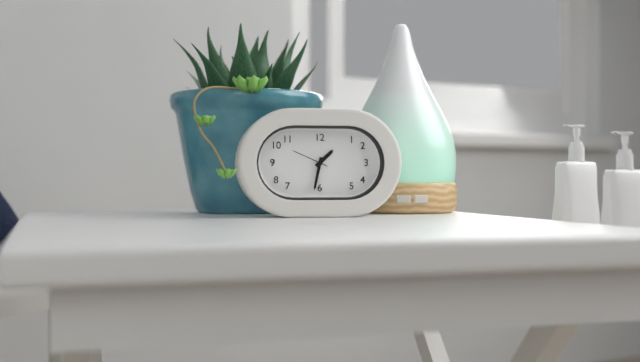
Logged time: 1 h 32 min
